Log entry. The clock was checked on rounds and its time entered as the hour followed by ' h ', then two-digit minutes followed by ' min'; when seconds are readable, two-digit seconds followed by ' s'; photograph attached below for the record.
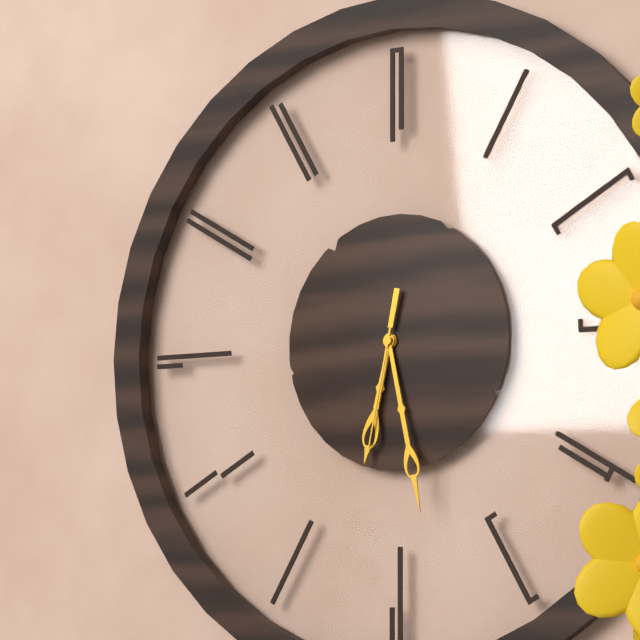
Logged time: 6 h 28 min 32 s
